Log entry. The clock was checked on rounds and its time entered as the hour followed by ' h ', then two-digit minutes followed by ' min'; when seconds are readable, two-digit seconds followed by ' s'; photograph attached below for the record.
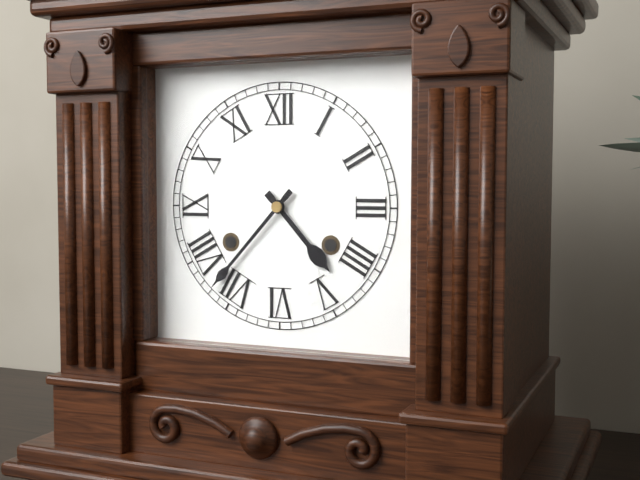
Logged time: 4 h 37 min
